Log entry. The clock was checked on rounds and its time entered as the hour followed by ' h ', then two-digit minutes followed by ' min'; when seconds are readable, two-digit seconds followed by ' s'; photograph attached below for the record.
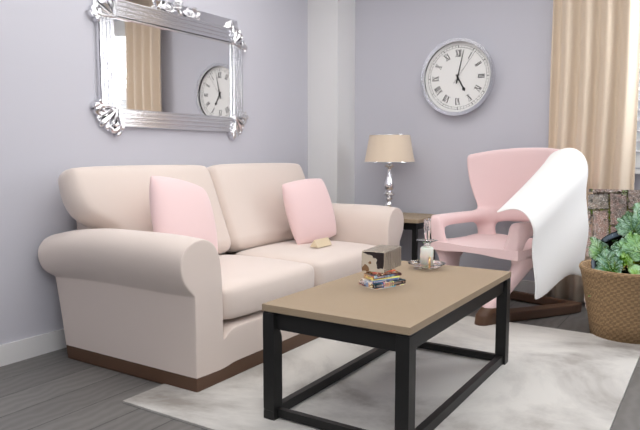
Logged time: 5 h 02 min
